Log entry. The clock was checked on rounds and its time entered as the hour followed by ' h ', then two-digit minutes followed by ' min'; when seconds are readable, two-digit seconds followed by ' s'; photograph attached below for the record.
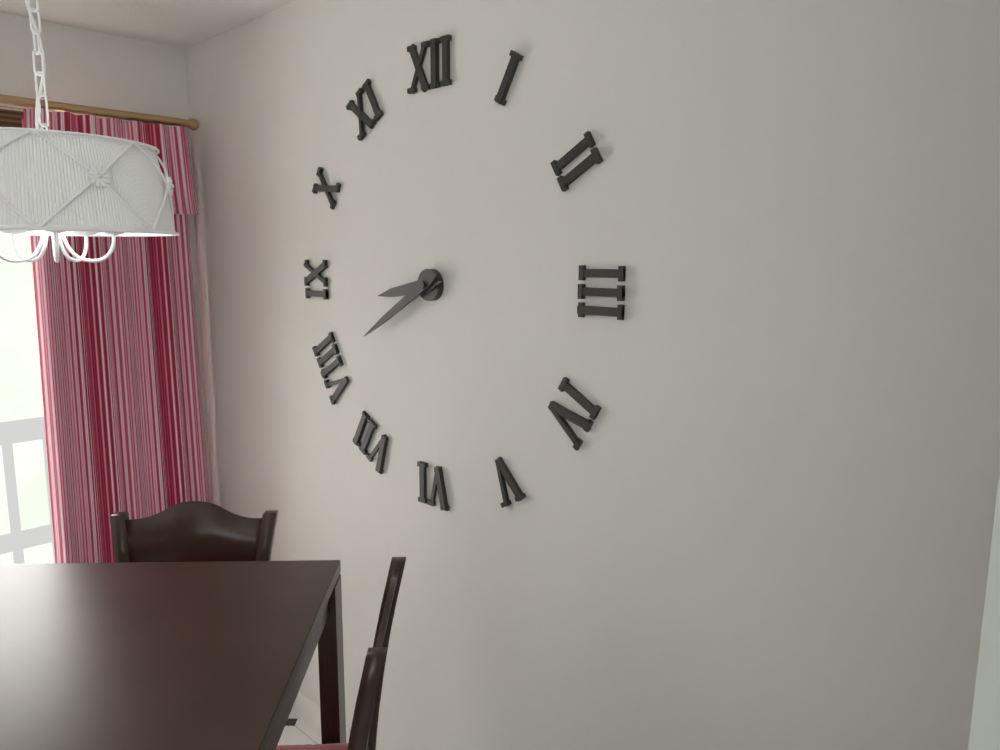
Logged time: 8 h 40 min
